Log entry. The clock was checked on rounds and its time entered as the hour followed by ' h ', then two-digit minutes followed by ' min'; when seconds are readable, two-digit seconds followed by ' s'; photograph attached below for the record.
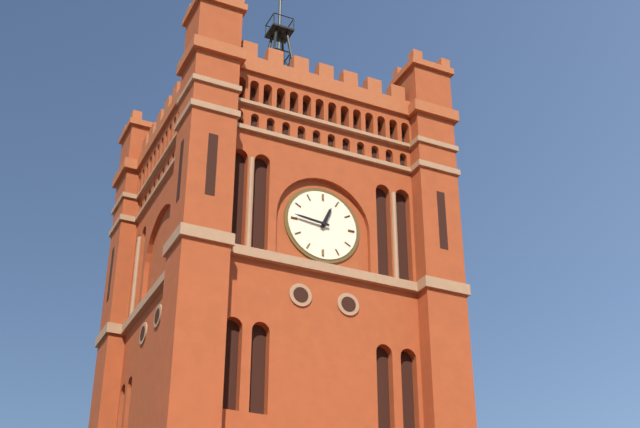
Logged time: 12 h 46 min
